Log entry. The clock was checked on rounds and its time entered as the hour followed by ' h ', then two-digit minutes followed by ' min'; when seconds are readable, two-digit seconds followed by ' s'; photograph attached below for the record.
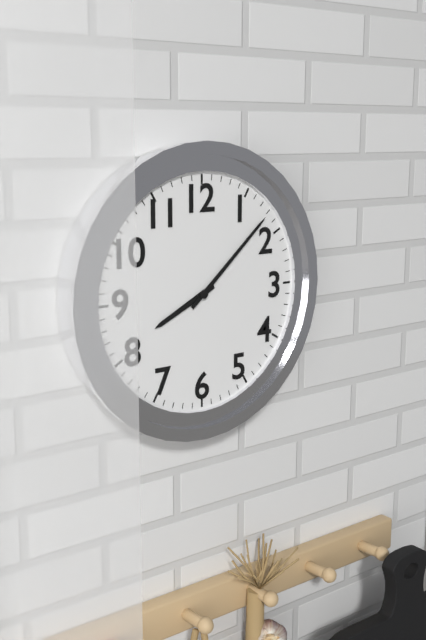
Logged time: 8 h 08 min
